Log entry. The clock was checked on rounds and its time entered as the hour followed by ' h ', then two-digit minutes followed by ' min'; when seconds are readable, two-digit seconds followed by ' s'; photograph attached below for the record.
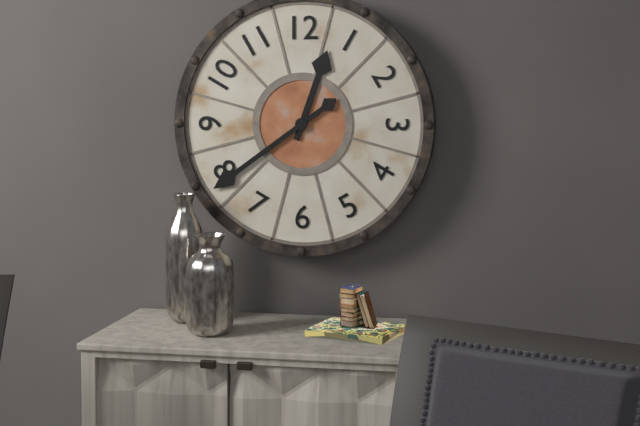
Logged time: 12 h 39 min
